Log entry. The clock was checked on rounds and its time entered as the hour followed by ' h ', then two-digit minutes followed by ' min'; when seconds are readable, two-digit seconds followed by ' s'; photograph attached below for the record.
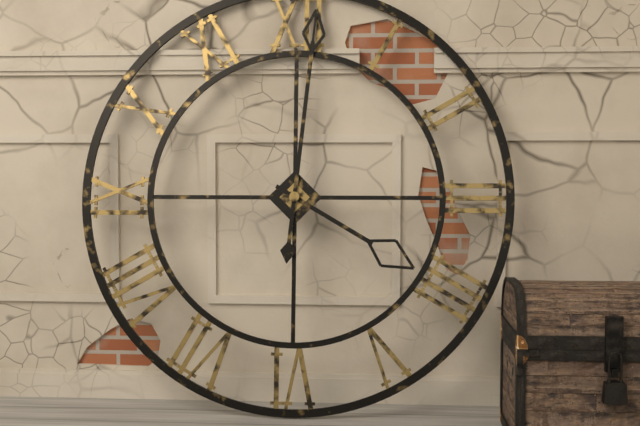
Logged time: 4 h 01 min
